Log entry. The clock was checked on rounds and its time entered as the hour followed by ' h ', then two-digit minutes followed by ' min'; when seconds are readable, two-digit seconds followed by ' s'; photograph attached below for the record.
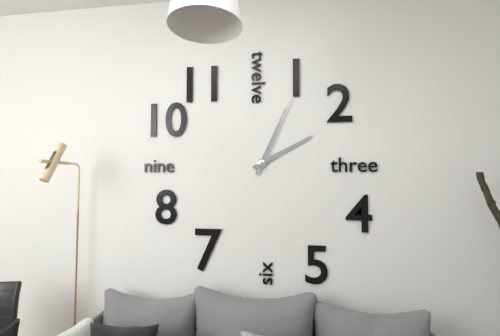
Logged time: 2 h 04 min
